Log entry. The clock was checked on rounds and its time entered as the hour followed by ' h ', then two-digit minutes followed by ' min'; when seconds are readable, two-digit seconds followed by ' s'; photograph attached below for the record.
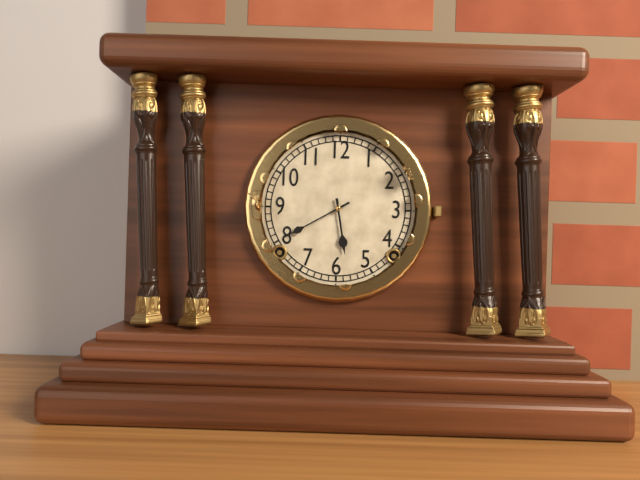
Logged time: 5 h 40 min
